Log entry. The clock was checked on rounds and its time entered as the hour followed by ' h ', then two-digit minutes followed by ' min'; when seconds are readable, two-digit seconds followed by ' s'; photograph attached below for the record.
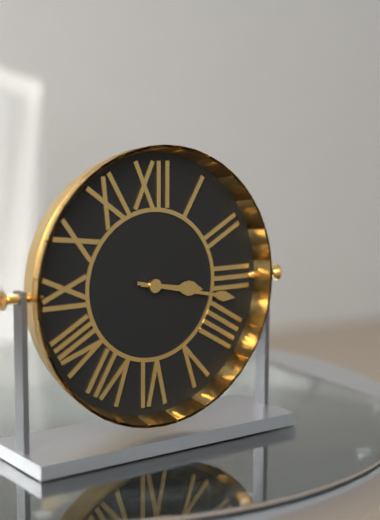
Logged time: 3 h 17 min
